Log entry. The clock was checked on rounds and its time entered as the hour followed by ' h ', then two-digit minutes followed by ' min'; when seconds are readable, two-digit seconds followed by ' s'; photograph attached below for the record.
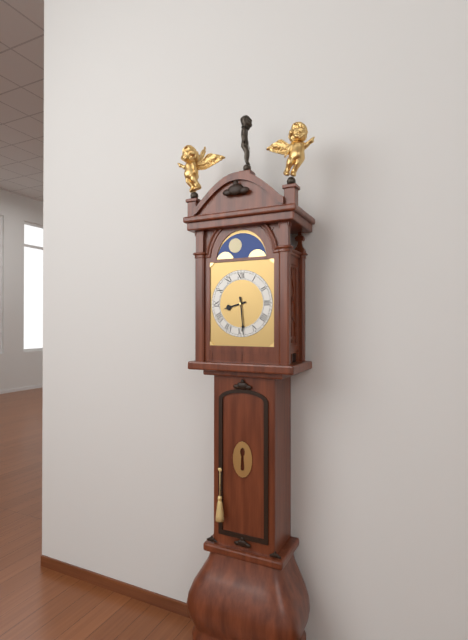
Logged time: 8 h 29 min
